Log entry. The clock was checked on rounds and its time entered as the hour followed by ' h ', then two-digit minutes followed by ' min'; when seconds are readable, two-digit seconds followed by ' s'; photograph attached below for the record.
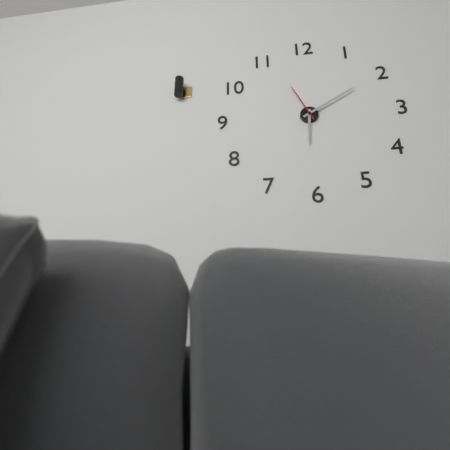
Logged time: 6 h 10 min
